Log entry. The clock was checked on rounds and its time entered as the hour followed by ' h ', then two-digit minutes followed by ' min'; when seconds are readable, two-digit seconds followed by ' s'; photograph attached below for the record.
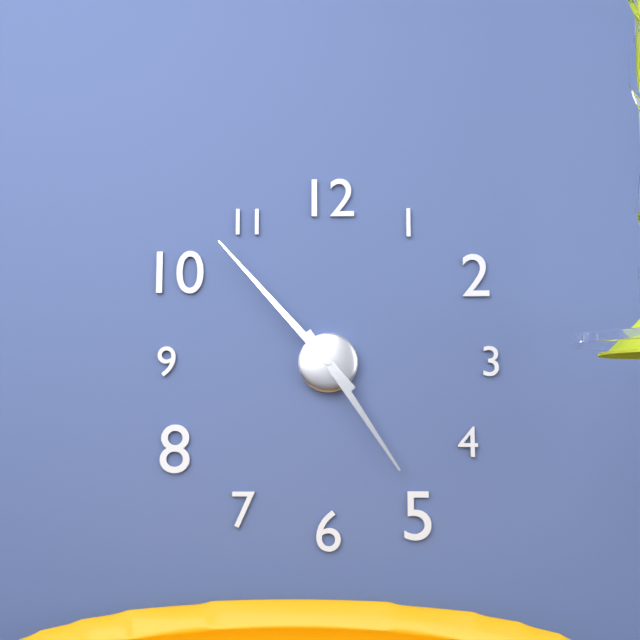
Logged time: 4 h 53 min
